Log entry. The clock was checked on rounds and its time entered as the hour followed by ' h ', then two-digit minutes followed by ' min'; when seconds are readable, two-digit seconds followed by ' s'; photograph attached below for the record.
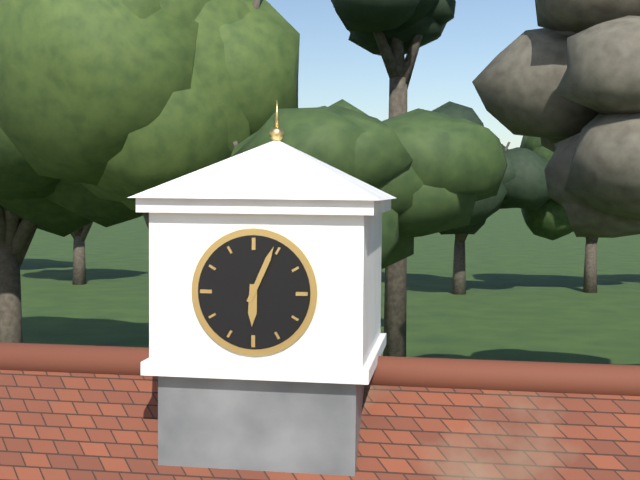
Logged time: 6 h 04 min
